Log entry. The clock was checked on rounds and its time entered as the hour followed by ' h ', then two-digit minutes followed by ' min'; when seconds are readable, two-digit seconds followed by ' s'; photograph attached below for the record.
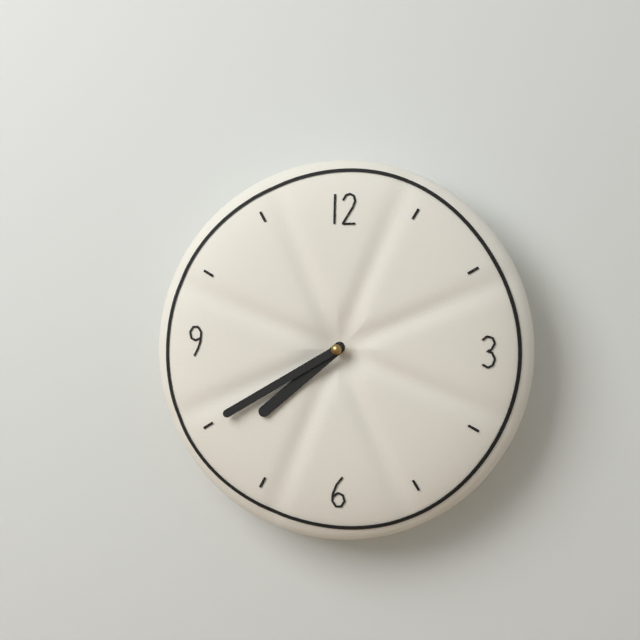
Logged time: 7 h 40 min
